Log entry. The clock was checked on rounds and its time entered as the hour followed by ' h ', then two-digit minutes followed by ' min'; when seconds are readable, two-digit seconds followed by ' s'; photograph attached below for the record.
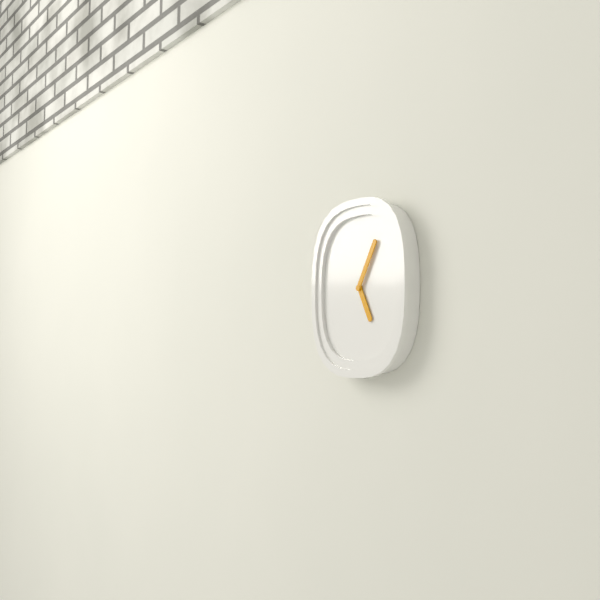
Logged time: 5 h 05 min
